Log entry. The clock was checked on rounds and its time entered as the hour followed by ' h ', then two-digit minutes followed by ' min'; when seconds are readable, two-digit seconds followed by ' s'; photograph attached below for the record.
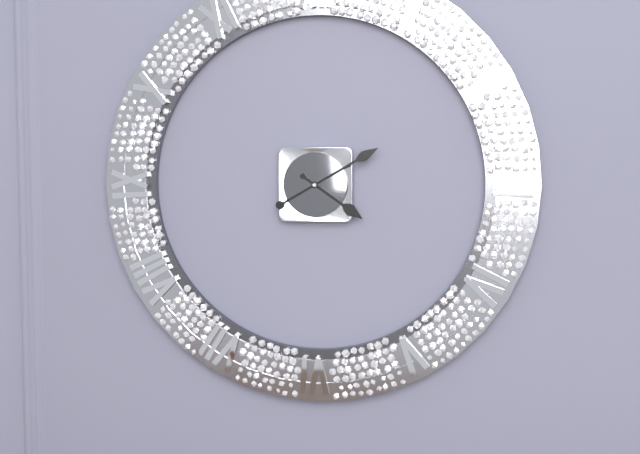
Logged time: 4 h 10 min
